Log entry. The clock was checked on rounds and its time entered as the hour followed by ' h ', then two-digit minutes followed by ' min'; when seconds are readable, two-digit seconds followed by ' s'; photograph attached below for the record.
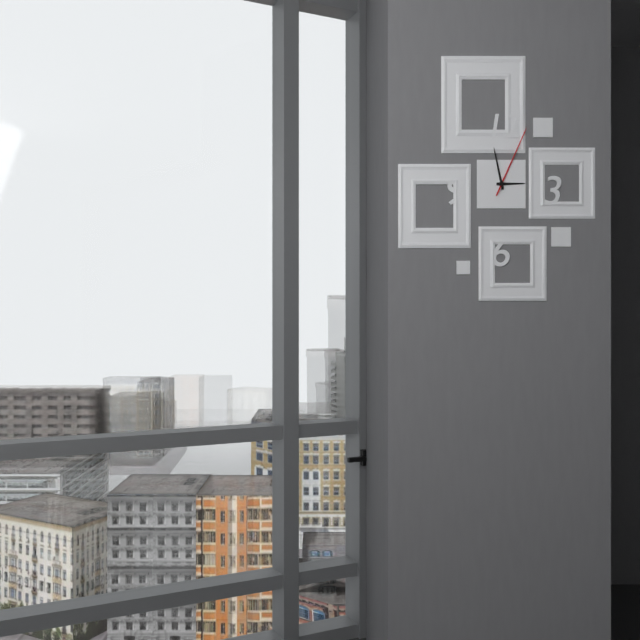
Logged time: 2 h 58 min 04 s
